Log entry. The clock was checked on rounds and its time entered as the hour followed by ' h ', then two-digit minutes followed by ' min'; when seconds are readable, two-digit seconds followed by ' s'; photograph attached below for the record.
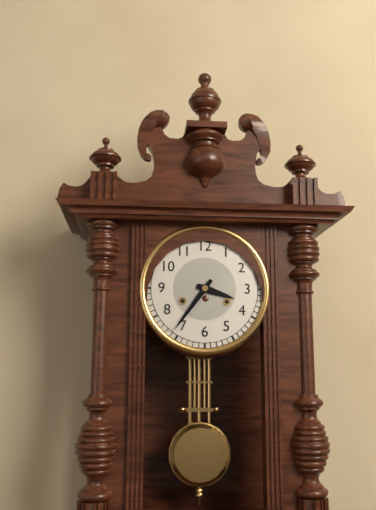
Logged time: 3 h 36 min
